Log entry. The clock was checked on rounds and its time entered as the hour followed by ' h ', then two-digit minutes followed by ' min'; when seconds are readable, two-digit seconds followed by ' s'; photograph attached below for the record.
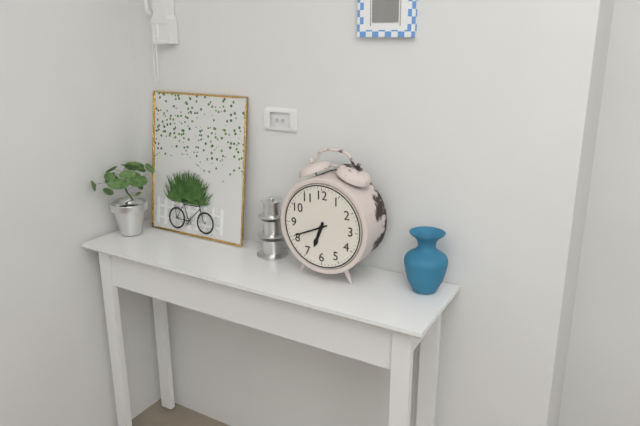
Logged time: 6 h 41 min
